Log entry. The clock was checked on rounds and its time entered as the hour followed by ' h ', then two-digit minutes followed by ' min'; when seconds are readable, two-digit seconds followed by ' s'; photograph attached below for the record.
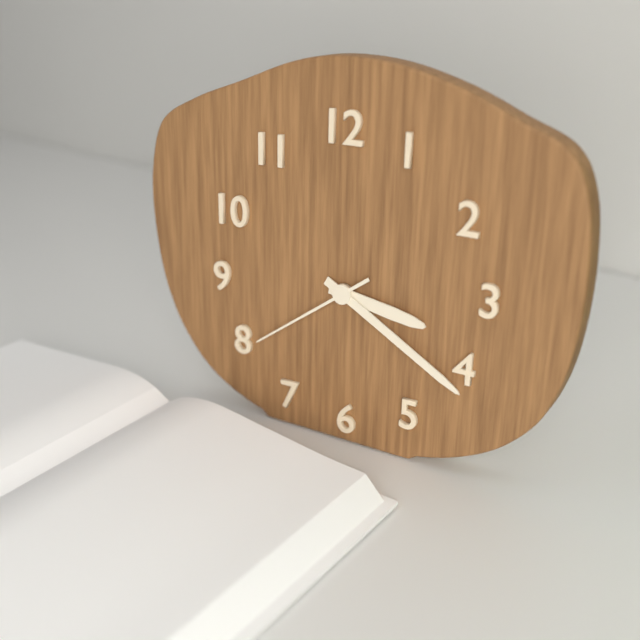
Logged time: 3 h 20 min 39 s
